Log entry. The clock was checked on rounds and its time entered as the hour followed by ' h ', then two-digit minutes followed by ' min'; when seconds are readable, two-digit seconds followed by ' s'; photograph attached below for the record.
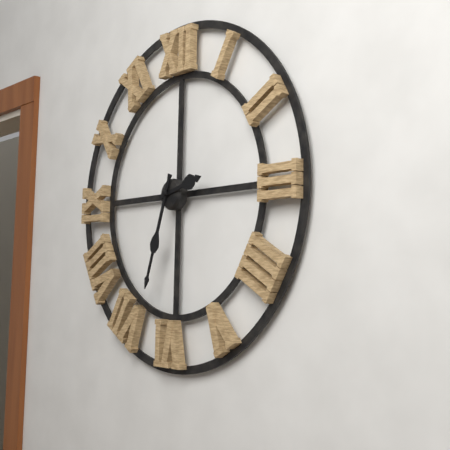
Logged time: 2 h 33 min
